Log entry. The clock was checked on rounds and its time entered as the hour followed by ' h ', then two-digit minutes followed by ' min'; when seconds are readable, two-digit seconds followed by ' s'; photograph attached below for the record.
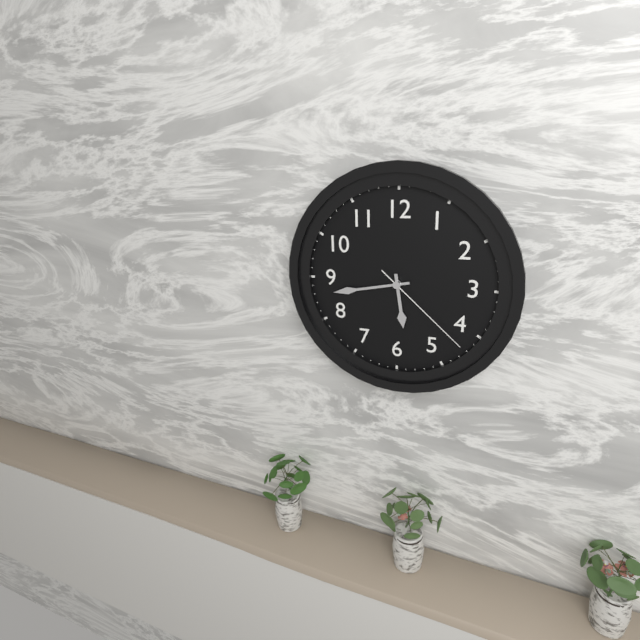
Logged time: 5 h 43 min 22 s
